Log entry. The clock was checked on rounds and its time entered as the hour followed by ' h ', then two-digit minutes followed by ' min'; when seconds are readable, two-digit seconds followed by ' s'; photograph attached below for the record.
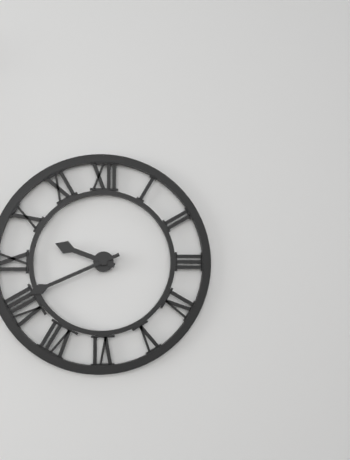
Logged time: 9 h 41 min
